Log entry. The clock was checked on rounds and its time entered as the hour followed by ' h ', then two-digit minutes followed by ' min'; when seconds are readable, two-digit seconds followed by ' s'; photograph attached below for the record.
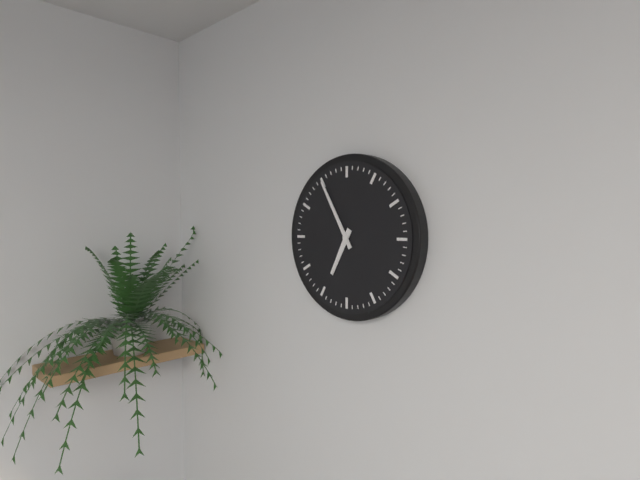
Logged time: 6 h 55 min
